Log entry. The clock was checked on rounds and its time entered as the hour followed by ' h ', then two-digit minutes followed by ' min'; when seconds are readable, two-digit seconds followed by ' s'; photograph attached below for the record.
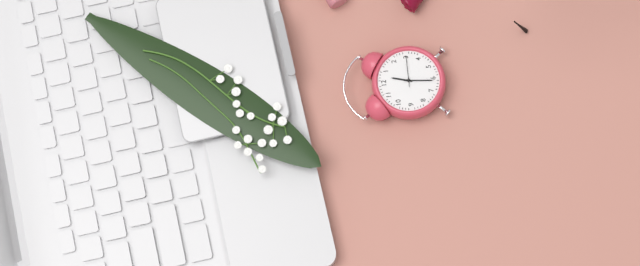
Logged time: 12 h 31 min
